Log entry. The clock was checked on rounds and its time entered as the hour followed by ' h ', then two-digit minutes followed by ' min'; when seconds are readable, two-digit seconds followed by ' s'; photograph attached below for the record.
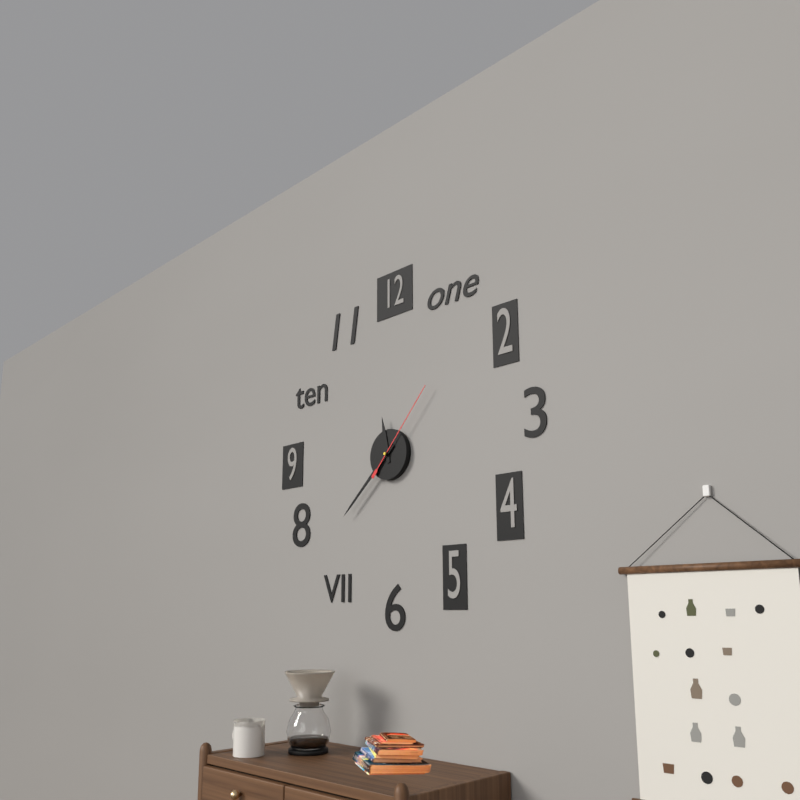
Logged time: 11 h 38 min 07 s
